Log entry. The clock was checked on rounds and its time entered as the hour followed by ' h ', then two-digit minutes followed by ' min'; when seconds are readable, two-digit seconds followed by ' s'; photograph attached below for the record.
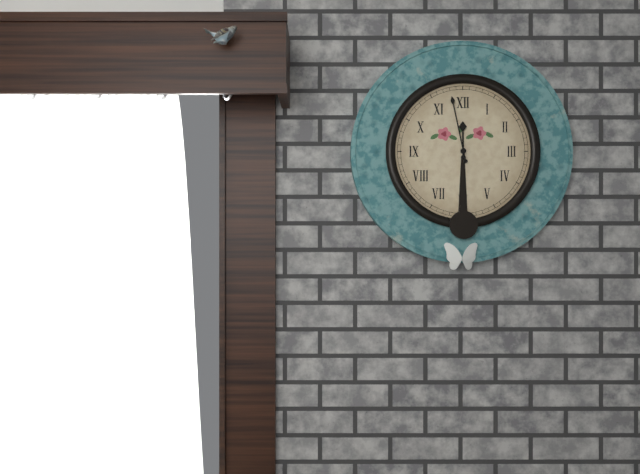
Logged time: 11 h 58 min
